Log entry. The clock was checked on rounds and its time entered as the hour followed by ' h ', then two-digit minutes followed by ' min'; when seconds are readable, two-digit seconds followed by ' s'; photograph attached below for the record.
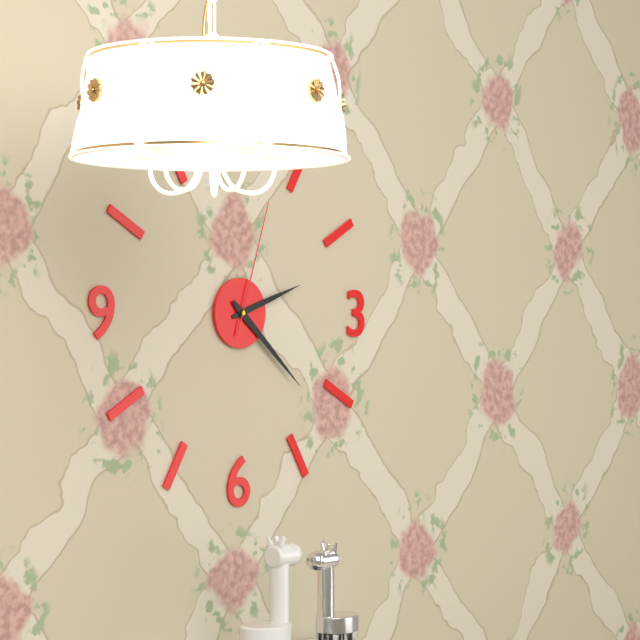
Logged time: 2 h 22 min 03 s
